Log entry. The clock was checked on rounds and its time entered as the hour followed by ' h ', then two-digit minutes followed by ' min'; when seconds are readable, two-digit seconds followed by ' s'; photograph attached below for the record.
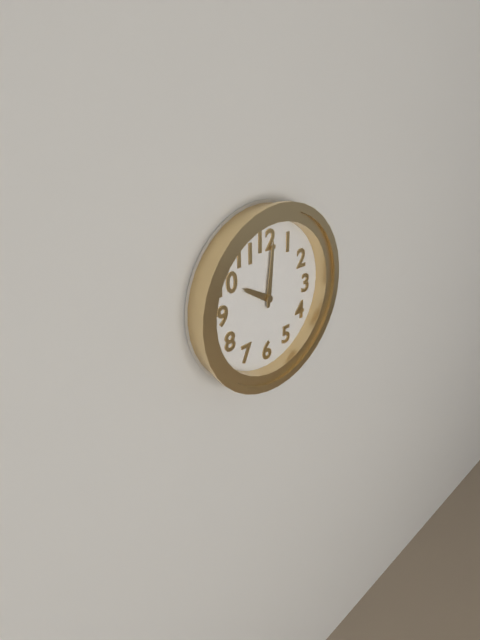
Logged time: 10 h 01 min
